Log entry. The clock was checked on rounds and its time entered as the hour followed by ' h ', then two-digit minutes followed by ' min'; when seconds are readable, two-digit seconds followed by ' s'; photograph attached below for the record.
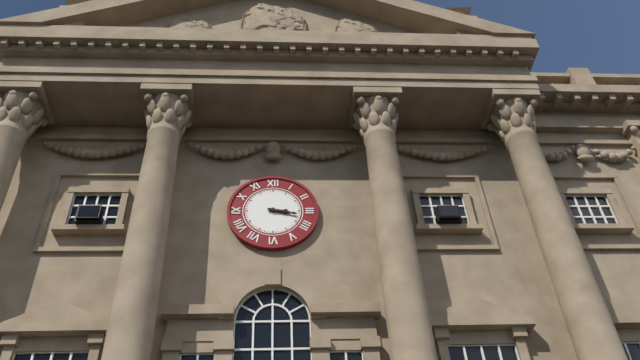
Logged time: 3 h 17 min
